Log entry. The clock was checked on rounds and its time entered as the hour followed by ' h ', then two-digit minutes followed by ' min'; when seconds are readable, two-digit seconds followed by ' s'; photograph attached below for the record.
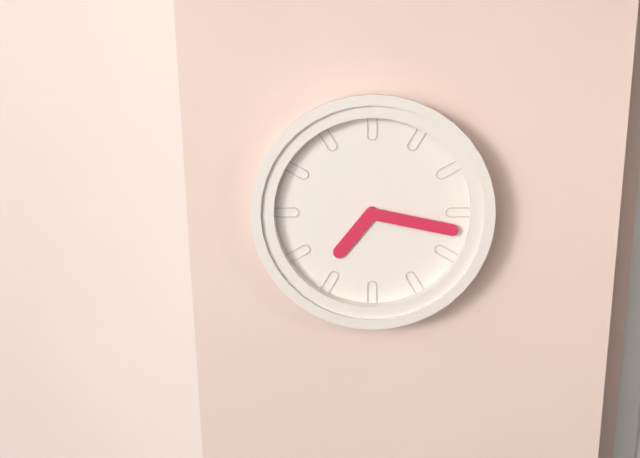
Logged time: 7 h 17 min
